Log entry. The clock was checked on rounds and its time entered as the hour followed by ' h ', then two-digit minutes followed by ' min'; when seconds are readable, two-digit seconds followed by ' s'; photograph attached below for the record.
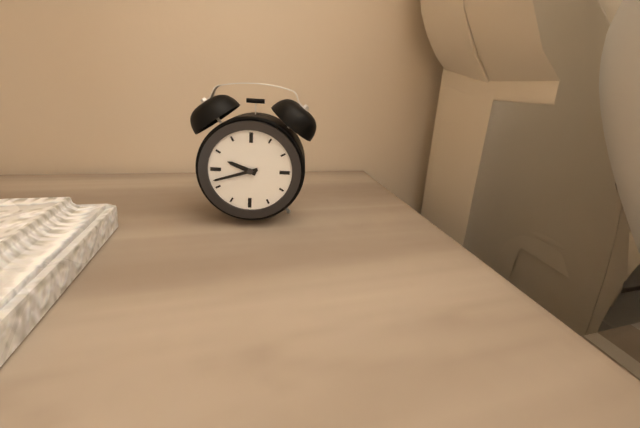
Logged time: 9 h 42 min
